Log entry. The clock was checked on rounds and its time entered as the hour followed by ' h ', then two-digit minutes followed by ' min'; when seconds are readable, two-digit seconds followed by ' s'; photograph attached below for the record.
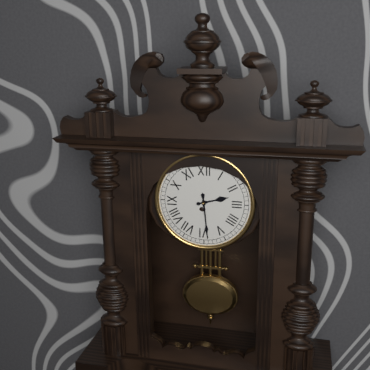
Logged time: 2 h 29 min
